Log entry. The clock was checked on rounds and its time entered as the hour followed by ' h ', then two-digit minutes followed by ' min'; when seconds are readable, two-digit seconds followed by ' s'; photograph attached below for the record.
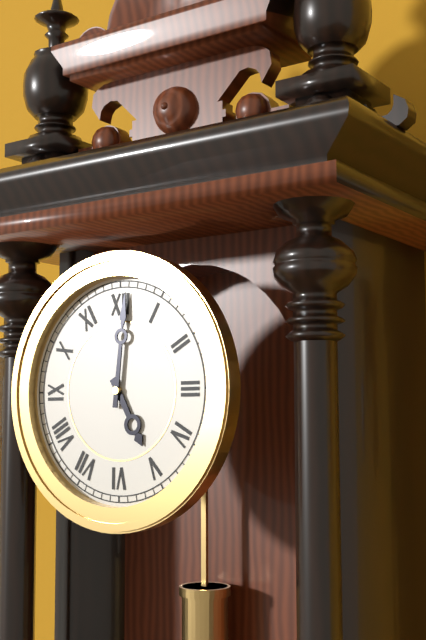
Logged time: 5 h 01 min
